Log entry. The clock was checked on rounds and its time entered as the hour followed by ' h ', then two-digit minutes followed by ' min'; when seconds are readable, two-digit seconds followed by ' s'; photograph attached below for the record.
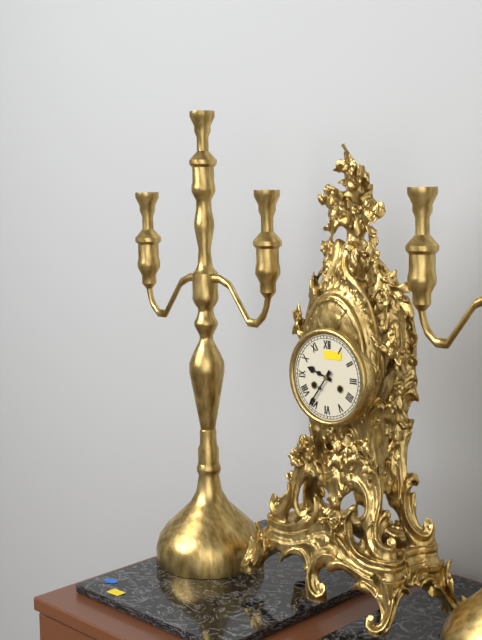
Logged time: 9 h 36 min
